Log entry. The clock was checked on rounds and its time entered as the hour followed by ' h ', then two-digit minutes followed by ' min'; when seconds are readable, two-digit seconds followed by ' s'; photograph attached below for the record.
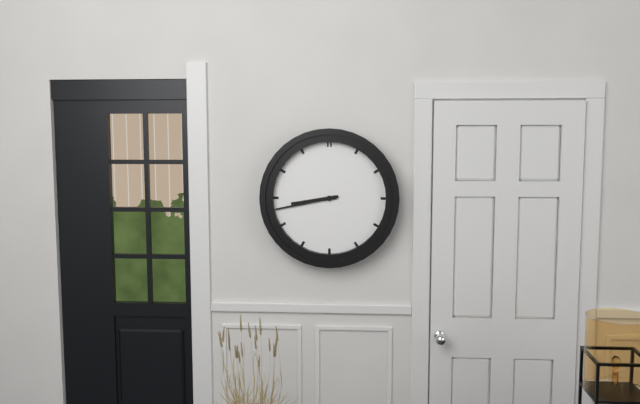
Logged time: 8 h 43 min
